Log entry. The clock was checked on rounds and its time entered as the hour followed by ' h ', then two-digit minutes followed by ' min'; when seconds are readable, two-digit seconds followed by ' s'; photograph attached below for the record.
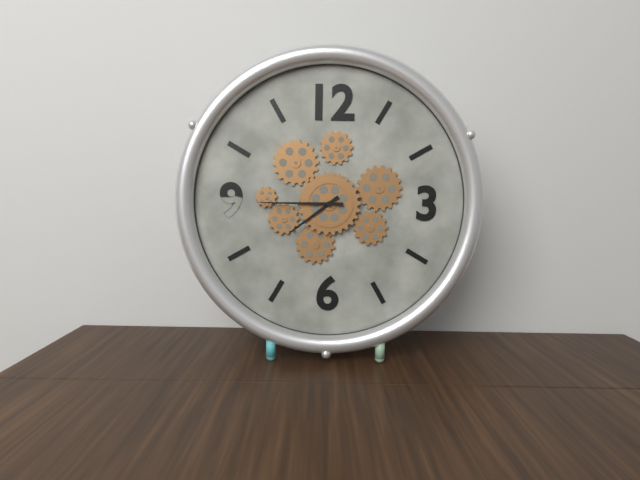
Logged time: 7 h 45 min
